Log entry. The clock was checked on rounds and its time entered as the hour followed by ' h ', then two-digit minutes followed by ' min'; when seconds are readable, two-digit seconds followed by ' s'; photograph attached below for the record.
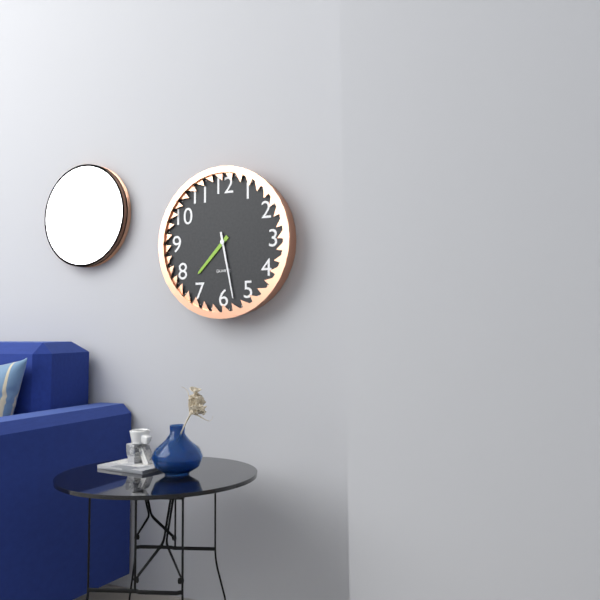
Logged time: 7 h 28 min
